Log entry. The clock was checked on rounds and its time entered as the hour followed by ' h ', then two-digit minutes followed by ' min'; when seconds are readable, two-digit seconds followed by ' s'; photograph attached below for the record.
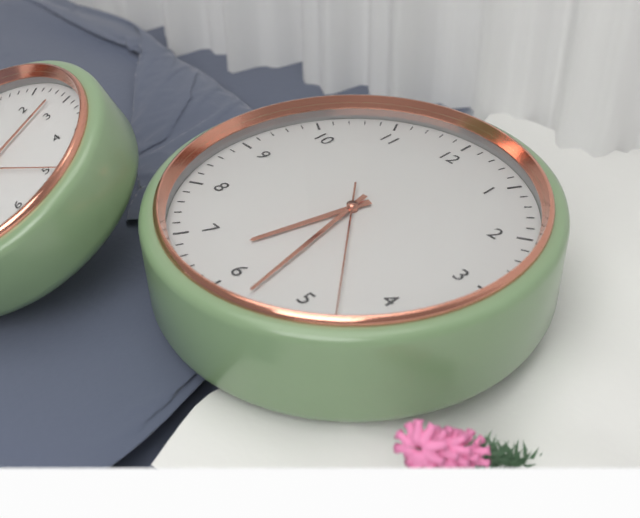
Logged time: 6 h 28 min
